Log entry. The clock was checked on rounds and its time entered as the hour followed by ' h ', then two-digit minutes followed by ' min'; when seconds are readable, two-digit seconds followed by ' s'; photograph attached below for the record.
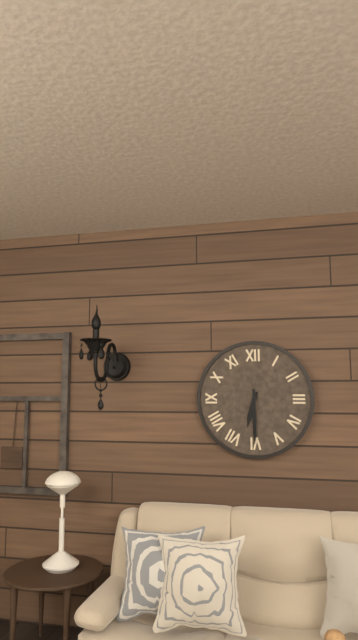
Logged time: 6 h 30 min
